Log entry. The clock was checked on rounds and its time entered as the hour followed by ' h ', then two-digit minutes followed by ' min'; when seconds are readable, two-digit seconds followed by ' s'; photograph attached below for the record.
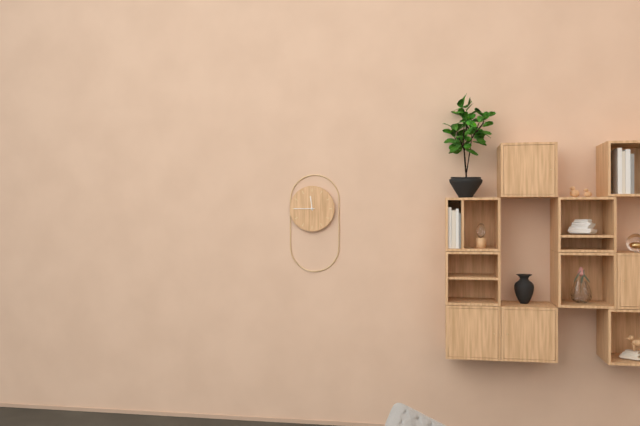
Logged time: 11 h 45 min
